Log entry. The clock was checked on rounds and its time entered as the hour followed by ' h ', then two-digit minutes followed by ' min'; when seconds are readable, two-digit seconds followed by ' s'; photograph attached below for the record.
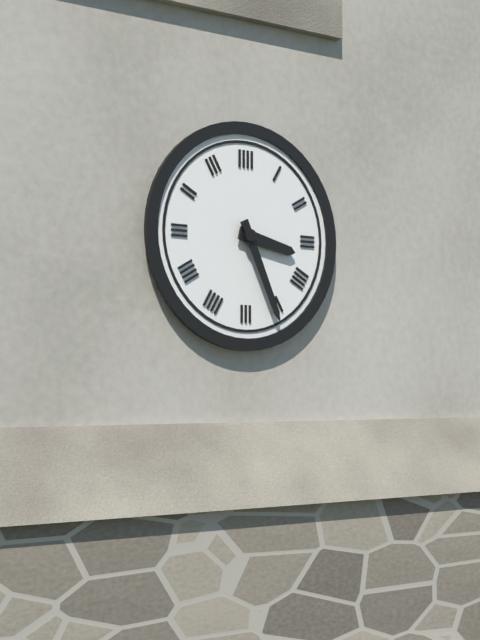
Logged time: 3 h 26 min
